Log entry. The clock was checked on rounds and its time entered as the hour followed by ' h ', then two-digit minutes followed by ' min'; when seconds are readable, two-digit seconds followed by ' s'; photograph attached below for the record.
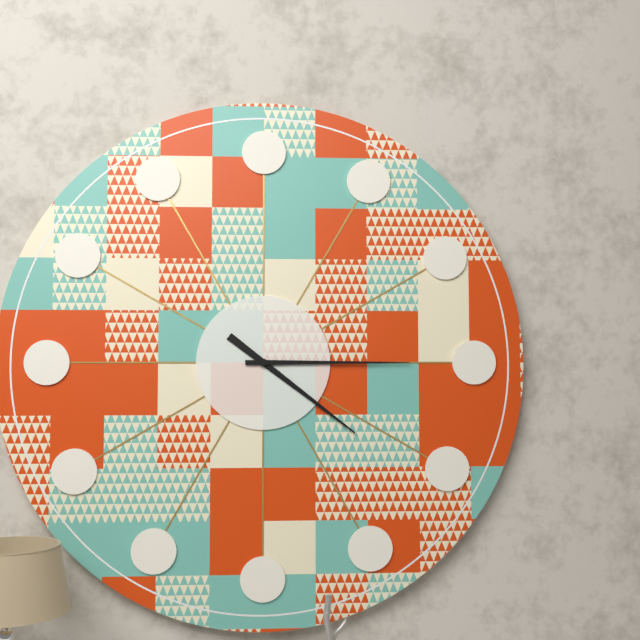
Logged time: 4 h 15 min
